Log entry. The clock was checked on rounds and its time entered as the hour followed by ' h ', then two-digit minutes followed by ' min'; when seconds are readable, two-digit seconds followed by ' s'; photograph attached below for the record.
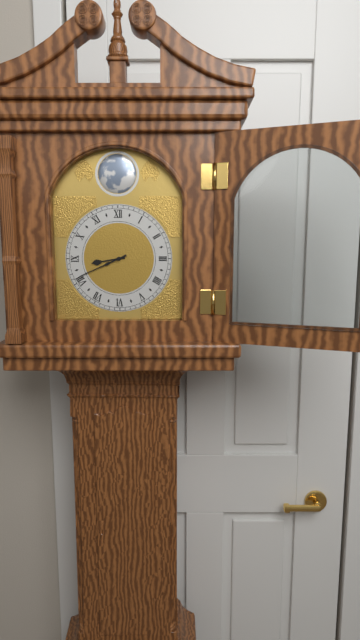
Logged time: 8 h 41 min
